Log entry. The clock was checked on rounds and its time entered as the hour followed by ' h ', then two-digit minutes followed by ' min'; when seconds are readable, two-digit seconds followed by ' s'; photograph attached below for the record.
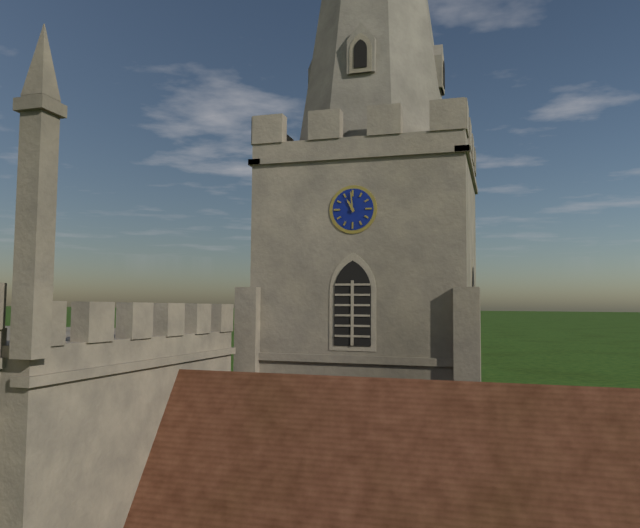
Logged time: 10 h 59 min
